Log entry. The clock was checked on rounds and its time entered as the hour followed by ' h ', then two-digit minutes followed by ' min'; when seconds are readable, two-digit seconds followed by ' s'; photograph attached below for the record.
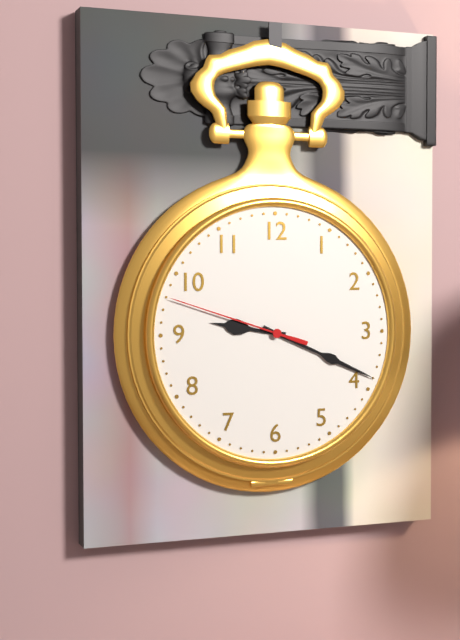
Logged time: 9 h 19 min 48 s
